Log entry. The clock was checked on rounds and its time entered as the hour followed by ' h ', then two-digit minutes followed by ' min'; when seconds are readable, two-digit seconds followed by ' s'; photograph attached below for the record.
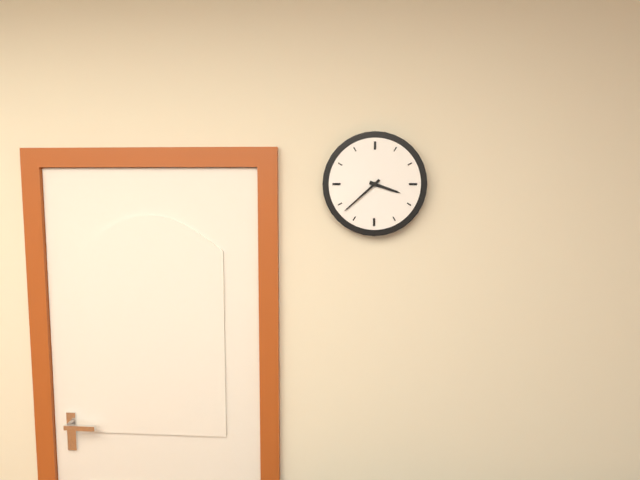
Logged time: 3 h 38 min
